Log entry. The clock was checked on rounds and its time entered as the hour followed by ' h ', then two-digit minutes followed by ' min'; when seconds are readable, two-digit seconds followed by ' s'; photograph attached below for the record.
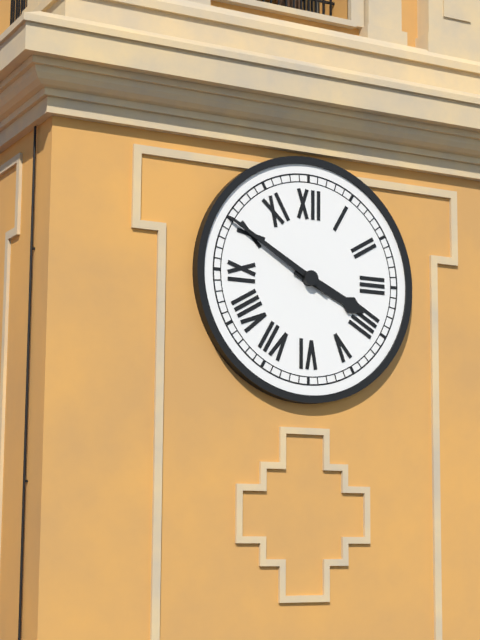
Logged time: 3 h 50 min
